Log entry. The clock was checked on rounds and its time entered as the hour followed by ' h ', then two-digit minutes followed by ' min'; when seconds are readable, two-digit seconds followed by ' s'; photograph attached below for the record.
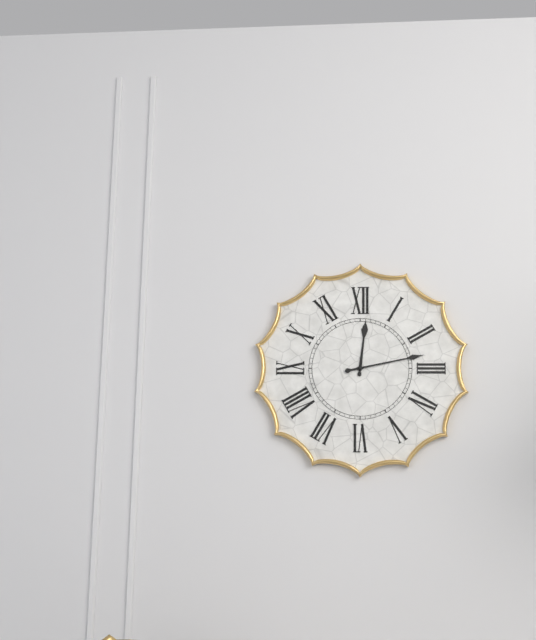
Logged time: 12 h 13 min
